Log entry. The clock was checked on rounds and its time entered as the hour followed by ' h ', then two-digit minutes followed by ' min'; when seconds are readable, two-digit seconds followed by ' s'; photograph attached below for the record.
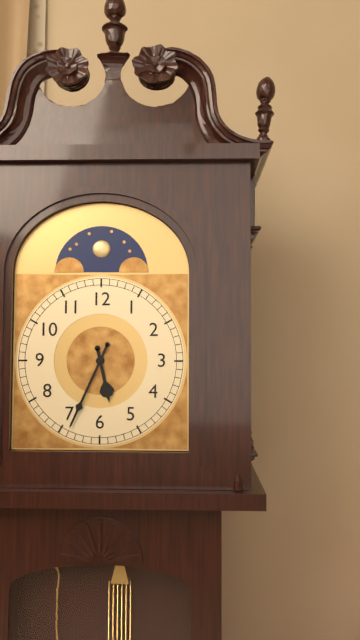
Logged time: 5 h 34 min
